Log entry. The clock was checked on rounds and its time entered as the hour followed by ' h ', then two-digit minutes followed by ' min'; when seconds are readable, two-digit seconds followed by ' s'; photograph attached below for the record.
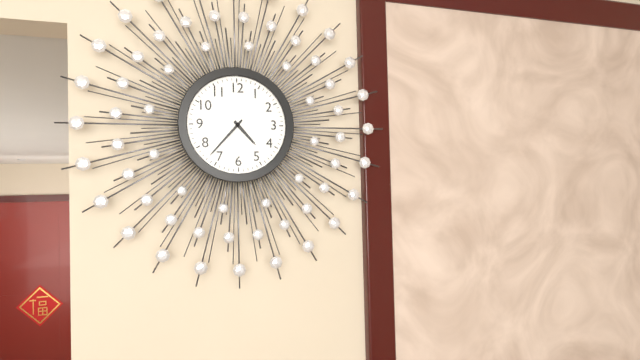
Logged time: 4 h 37 min
